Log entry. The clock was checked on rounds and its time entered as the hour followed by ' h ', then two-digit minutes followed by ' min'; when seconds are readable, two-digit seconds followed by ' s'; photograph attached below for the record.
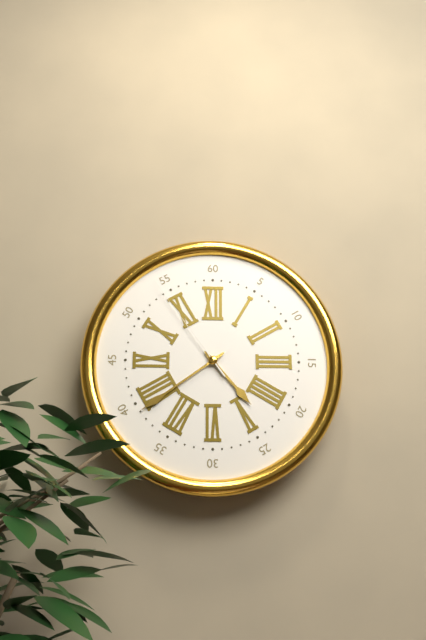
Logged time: 4 h 39 min 54 s
